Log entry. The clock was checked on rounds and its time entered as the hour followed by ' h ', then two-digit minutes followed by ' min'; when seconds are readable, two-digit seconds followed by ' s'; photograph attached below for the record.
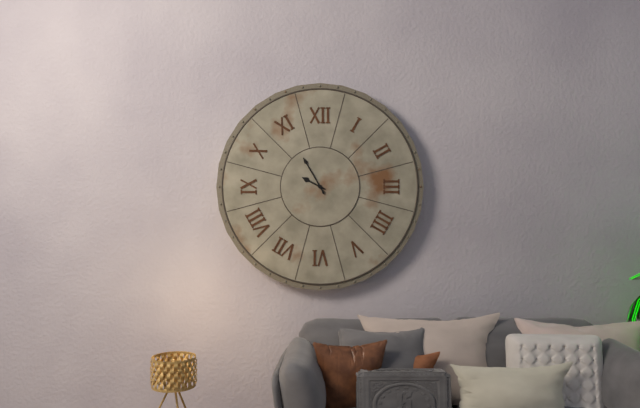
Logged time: 9 h 55 min
